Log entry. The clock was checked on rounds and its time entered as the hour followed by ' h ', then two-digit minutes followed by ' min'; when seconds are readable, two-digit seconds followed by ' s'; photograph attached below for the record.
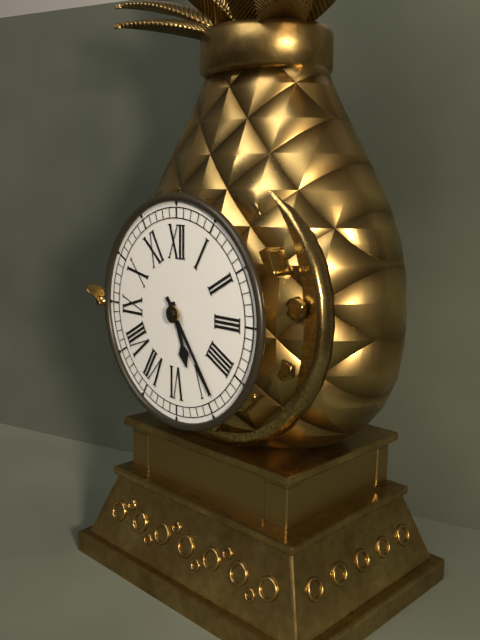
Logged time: 5 h 24 min
